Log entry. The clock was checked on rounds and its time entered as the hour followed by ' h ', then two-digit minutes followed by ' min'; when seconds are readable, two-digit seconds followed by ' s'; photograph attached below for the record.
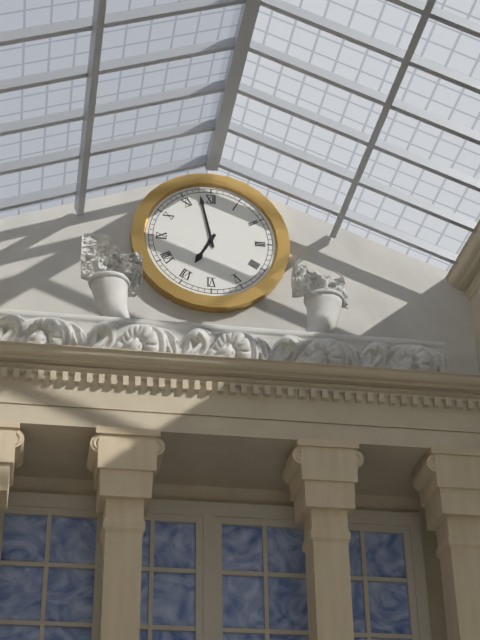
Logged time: 6 h 58 min
